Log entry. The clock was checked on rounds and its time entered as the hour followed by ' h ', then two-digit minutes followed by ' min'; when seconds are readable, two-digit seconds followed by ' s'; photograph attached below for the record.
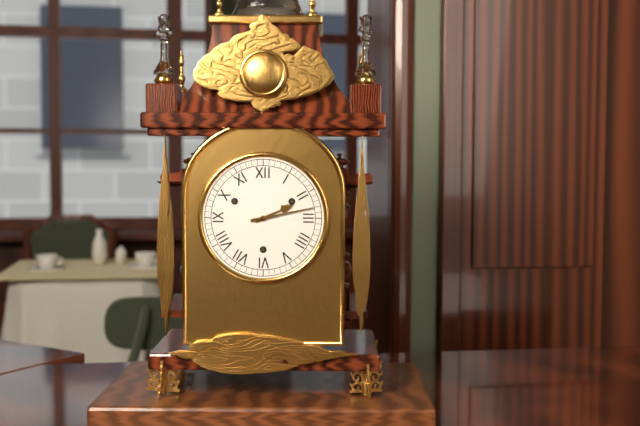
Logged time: 2 h 13 min
